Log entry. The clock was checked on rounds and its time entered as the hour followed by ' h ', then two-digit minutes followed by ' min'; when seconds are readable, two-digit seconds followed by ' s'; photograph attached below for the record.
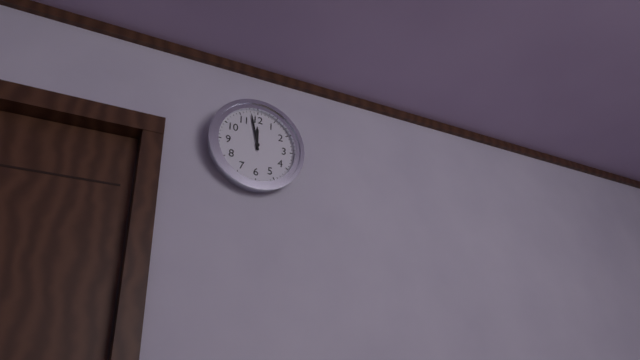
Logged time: 11 h 58 min
